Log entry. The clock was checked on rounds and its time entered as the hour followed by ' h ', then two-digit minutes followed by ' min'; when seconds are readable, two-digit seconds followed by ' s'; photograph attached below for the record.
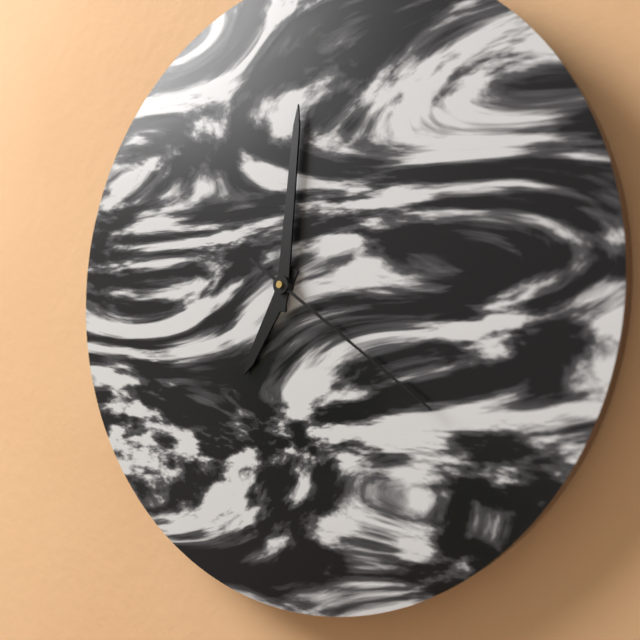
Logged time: 7 h 01 min 21 s
